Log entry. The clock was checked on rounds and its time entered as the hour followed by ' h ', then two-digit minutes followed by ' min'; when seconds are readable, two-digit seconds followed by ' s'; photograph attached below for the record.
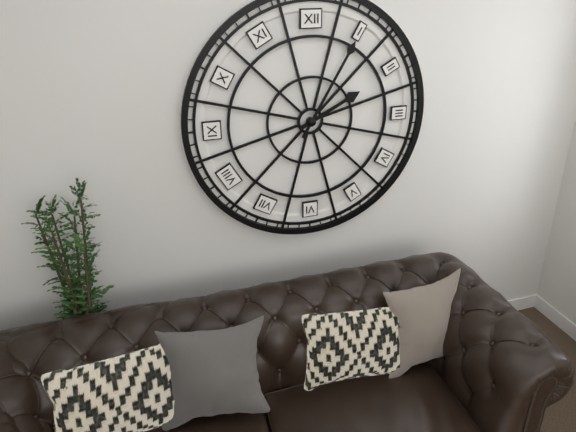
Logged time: 2 h 05 min
